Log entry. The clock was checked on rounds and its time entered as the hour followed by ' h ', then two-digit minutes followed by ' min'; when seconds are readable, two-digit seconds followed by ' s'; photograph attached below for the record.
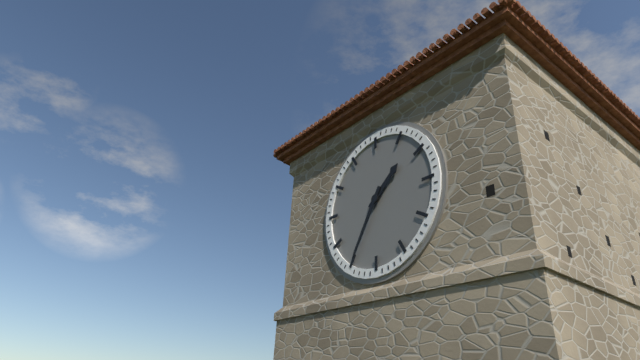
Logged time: 1 h 35 min
